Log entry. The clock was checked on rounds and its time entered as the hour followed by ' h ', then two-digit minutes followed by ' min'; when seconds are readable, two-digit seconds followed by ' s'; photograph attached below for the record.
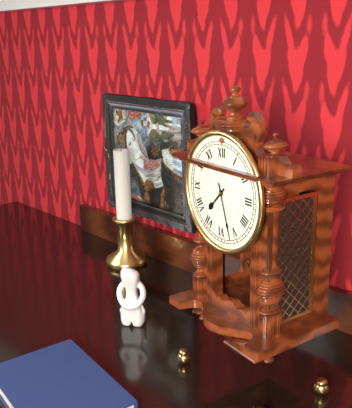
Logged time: 7 h 27 min
